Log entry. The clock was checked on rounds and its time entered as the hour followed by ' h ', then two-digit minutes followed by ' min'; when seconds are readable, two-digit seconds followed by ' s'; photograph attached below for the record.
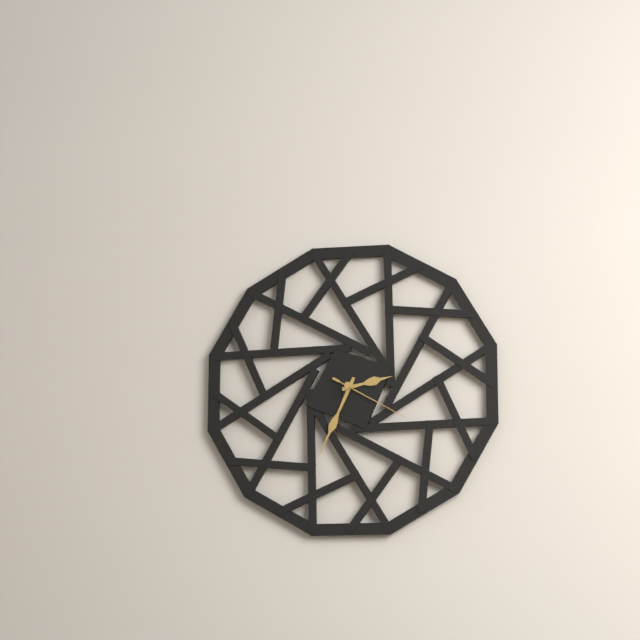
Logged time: 2 h 34 min 20 s
